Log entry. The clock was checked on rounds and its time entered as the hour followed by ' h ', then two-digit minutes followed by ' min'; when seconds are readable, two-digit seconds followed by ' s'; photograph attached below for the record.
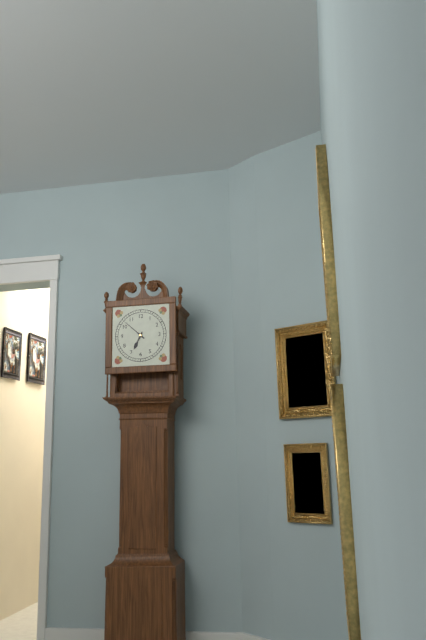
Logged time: 6 h 52 min
